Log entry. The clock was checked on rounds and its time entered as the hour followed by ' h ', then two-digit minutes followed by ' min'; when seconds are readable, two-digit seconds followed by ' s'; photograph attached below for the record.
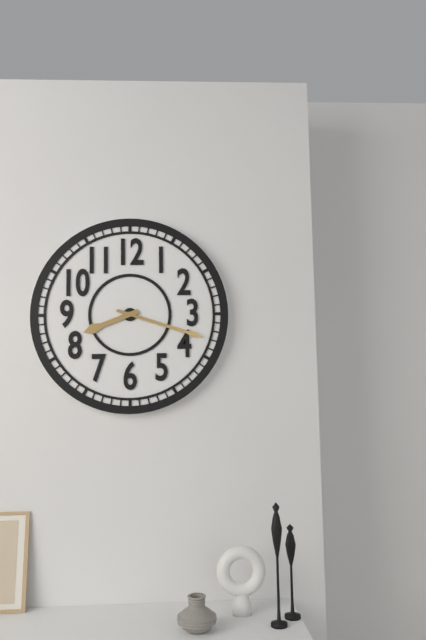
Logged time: 8 h 18 min
